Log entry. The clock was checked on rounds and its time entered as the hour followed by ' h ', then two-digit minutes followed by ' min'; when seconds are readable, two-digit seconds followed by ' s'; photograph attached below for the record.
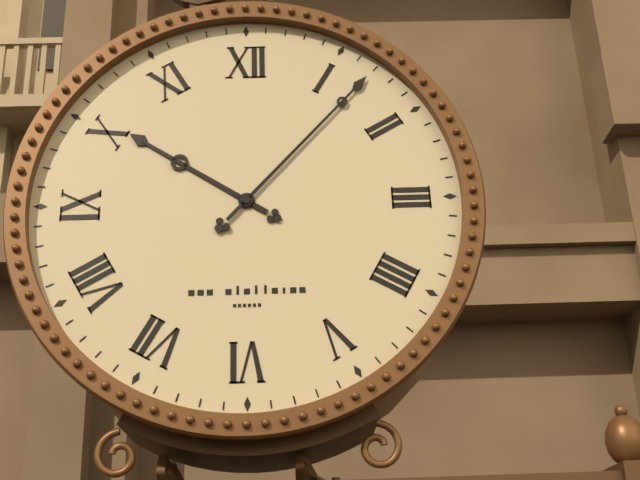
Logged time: 10 h 07 min
